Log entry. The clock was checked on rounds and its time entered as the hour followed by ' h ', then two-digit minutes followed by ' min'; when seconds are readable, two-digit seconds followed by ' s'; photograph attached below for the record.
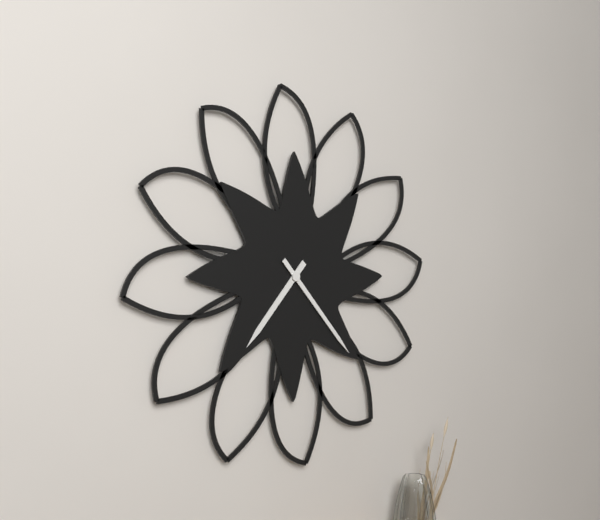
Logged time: 7 h 23 min
